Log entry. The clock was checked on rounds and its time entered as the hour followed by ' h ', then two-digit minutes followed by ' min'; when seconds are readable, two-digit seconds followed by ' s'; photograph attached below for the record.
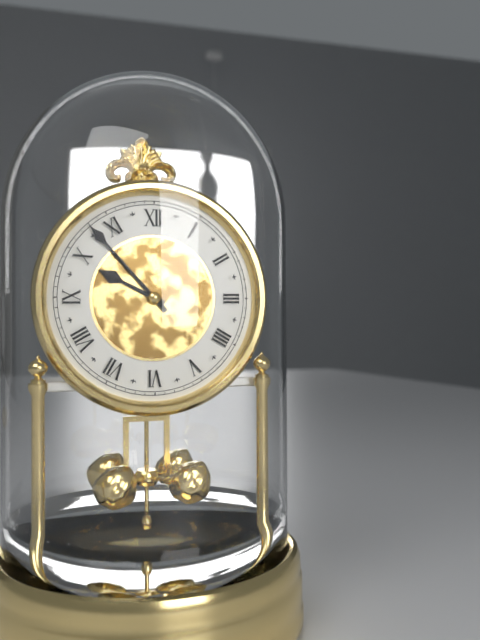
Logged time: 9 h 53 min
